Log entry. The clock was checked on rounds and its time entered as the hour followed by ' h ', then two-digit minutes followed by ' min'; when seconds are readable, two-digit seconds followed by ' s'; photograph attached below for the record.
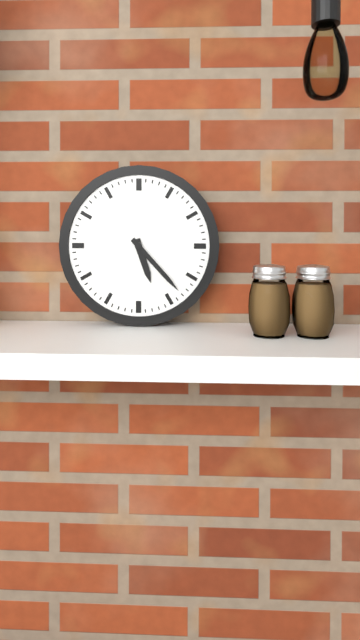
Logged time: 5 h 23 min
